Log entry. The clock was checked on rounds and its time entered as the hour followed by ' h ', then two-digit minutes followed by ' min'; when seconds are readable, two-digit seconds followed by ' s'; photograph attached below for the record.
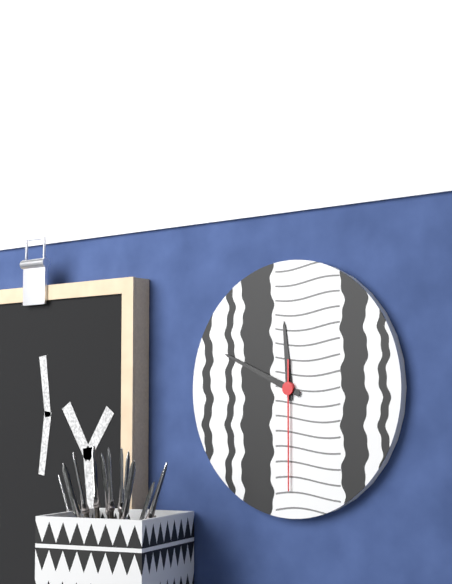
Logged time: 11 h 49 min 30 s
